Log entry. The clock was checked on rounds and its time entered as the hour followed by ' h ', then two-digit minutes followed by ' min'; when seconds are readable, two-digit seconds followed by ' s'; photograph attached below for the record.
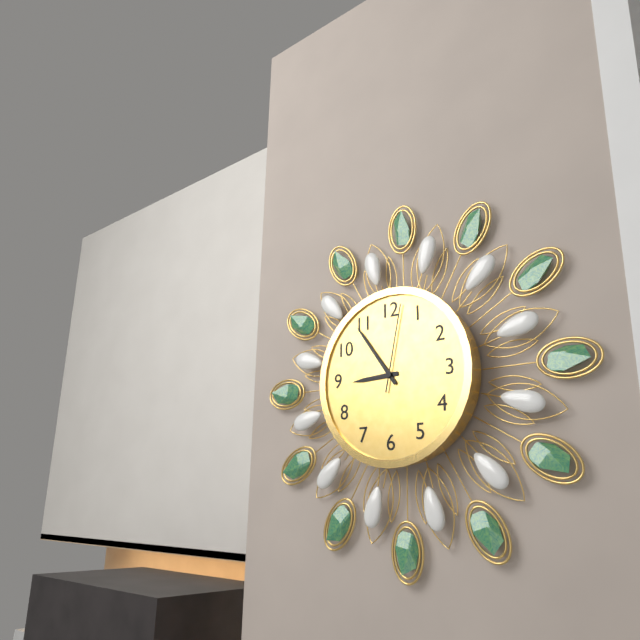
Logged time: 8 h 54 min 02 s
